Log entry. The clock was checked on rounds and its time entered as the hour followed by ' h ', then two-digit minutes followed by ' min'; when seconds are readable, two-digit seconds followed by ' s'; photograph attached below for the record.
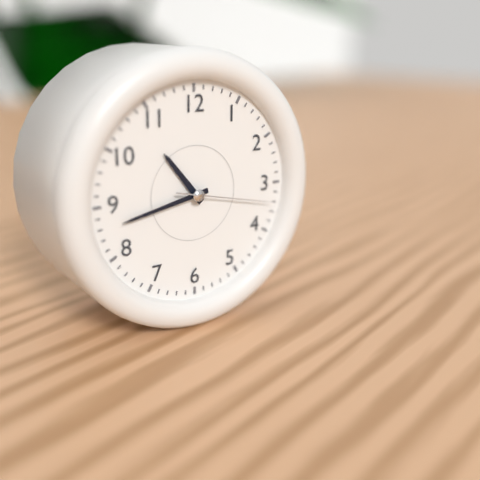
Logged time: 10 h 43 min 17 s
